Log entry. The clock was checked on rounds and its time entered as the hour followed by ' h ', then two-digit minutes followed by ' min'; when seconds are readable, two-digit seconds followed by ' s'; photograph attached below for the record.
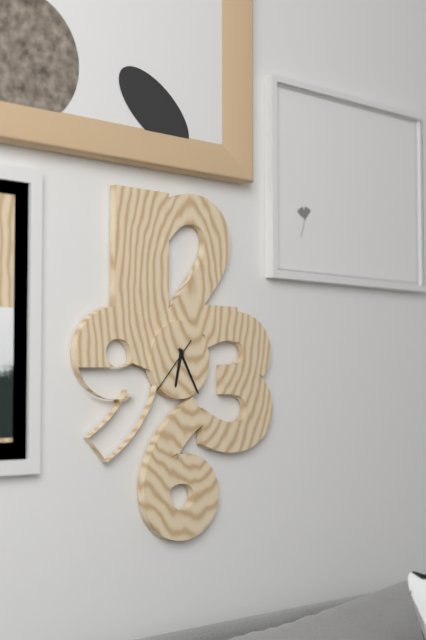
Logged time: 6 h 25 min 37 s
